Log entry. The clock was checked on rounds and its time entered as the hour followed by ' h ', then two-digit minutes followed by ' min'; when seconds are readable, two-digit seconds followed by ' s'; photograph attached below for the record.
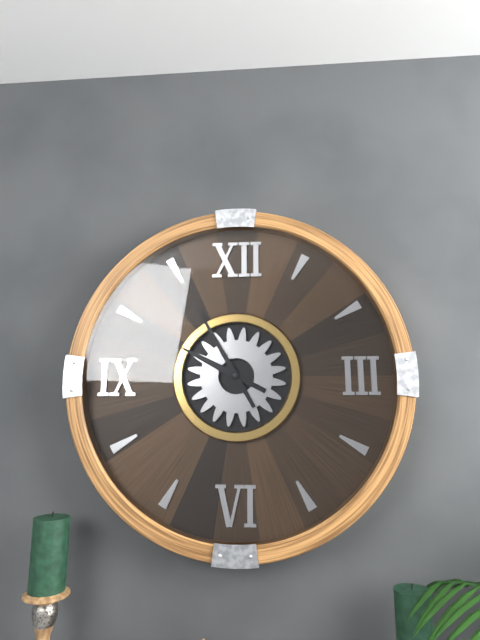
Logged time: 9 h 55 min
